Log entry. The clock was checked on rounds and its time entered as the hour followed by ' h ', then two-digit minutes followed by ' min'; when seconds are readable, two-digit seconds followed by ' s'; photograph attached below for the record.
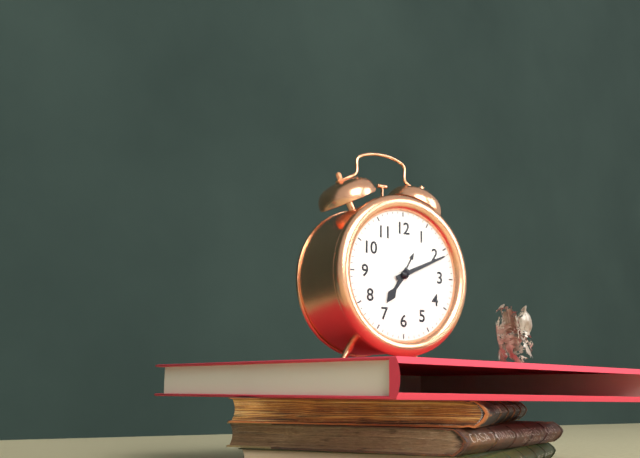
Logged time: 7 h 11 min
